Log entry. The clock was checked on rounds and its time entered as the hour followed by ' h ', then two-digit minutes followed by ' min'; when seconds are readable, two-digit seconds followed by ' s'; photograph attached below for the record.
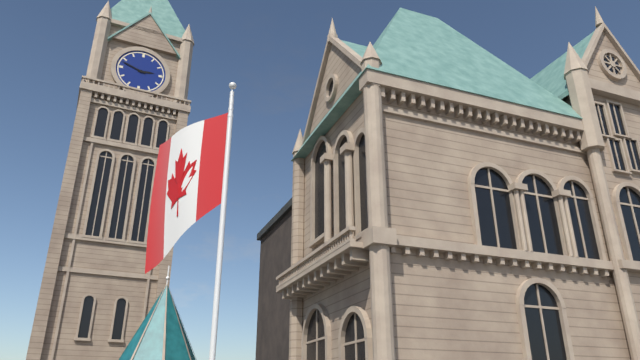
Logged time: 2 h 48 min
